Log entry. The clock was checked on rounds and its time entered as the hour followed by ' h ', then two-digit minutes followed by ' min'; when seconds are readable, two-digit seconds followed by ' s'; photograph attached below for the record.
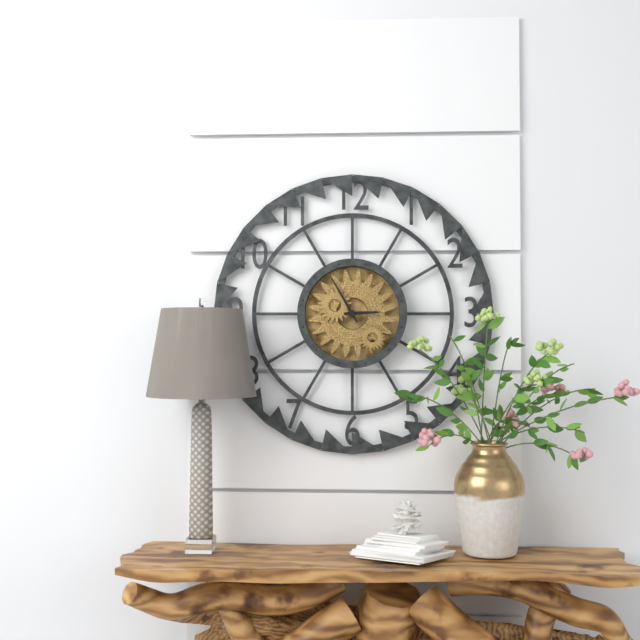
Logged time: 2 h 55 min
